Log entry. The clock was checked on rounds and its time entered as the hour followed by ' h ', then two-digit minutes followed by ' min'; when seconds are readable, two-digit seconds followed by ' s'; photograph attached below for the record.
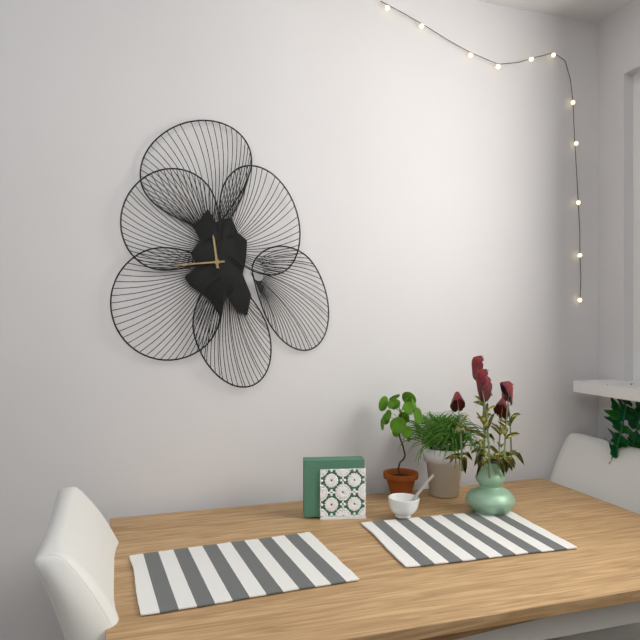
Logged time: 11 h 44 min
